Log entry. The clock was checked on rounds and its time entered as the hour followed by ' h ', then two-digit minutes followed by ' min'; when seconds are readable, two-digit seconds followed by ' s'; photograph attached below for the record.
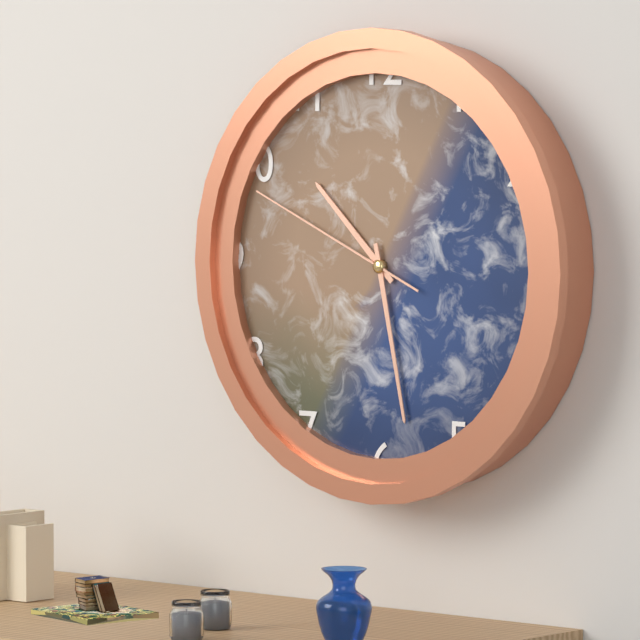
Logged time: 10 h 28 min 49 s
